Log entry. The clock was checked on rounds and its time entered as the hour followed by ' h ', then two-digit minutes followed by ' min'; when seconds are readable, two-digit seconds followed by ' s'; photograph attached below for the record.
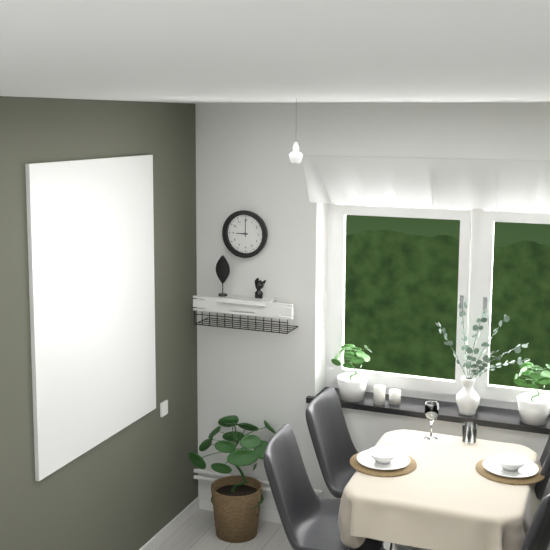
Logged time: 9 h 00 min
